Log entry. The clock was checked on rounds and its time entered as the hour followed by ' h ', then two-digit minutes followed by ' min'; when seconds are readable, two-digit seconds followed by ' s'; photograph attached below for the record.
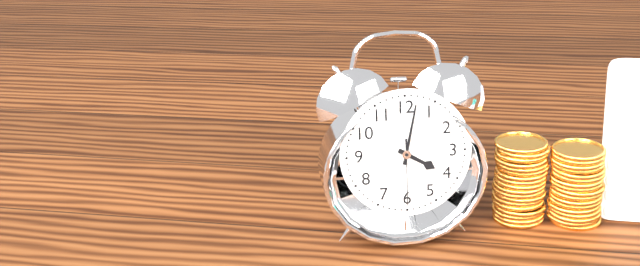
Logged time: 4 h 02 min 30 s
